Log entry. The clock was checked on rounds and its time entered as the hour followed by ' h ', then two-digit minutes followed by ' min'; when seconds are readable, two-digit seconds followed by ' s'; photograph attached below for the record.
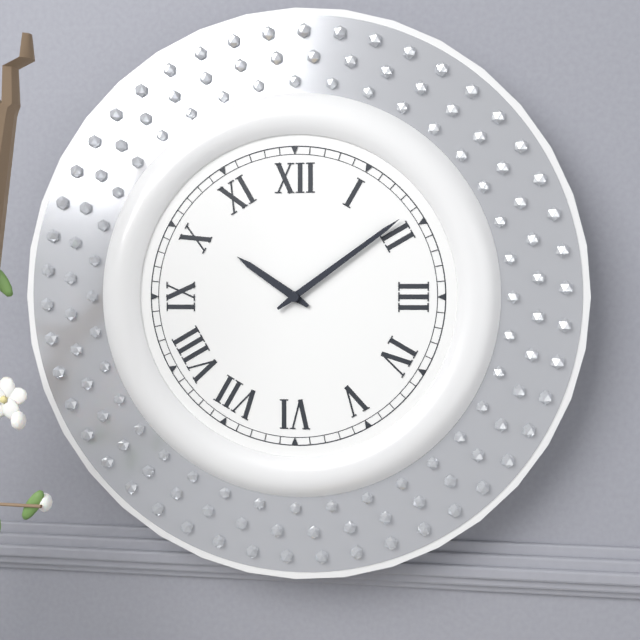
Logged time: 10 h 09 min
